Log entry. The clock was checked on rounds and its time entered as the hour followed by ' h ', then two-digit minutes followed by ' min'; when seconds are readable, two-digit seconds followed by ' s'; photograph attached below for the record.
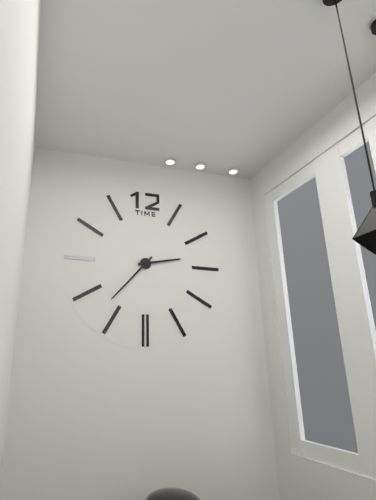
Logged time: 2 h 37 min
